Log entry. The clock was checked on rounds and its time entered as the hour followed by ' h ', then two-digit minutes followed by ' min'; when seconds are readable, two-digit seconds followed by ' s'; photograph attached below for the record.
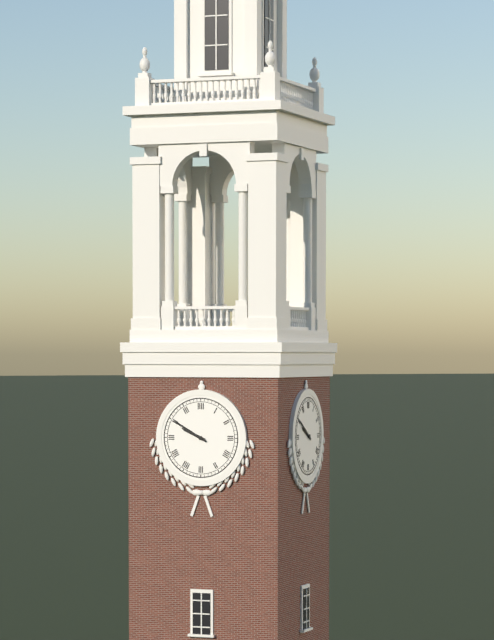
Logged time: 9 h 50 min
